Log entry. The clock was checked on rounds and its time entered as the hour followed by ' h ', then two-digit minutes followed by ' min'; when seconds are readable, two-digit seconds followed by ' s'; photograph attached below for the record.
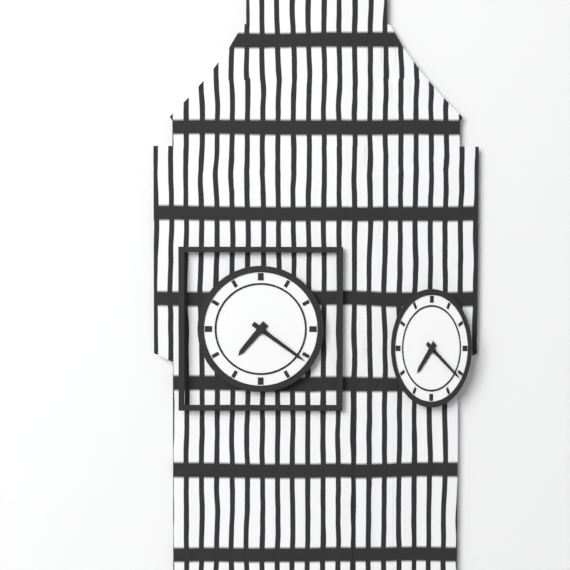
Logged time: 7 h 21 min
